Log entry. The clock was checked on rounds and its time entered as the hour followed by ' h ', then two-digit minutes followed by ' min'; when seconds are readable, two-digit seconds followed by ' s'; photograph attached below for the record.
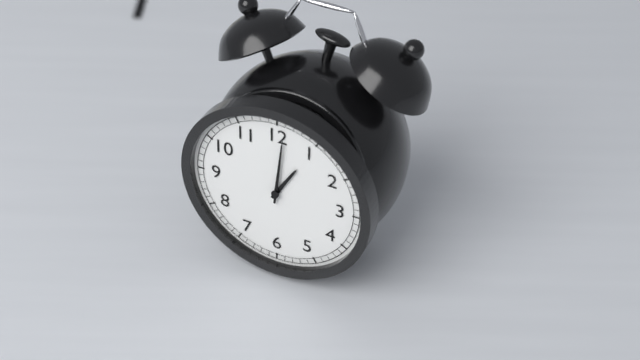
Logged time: 1 h 01 min
